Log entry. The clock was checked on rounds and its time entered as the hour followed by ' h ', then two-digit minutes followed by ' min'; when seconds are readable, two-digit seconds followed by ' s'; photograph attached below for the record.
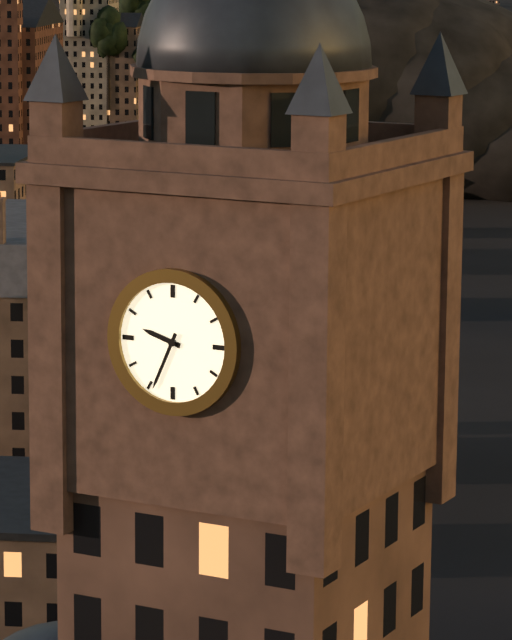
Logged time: 9 h 34 min
